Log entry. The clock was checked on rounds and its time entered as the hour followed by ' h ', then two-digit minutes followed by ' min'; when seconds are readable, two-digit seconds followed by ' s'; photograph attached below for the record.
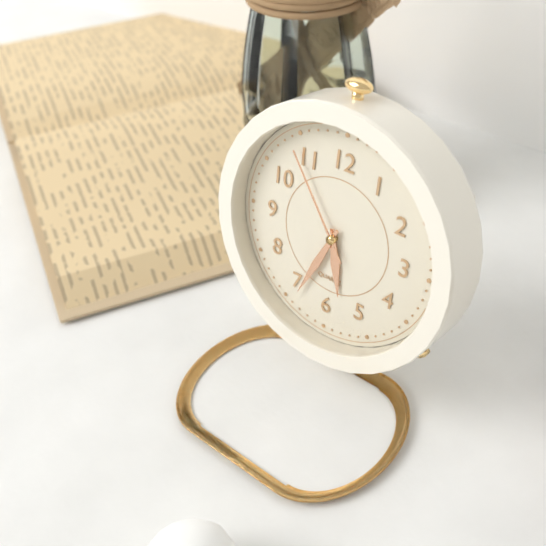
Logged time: 5 h 34 min 54 s
